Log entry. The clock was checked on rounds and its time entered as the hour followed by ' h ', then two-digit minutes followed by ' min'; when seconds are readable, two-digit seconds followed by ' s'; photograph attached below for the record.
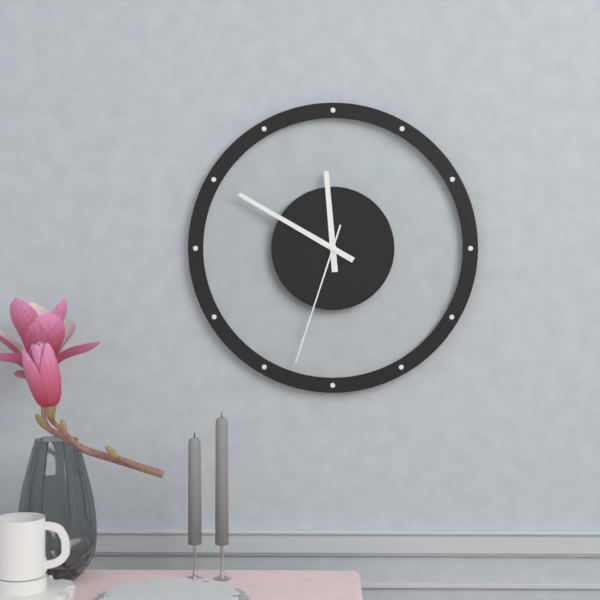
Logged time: 11 h 50 min 33 s
